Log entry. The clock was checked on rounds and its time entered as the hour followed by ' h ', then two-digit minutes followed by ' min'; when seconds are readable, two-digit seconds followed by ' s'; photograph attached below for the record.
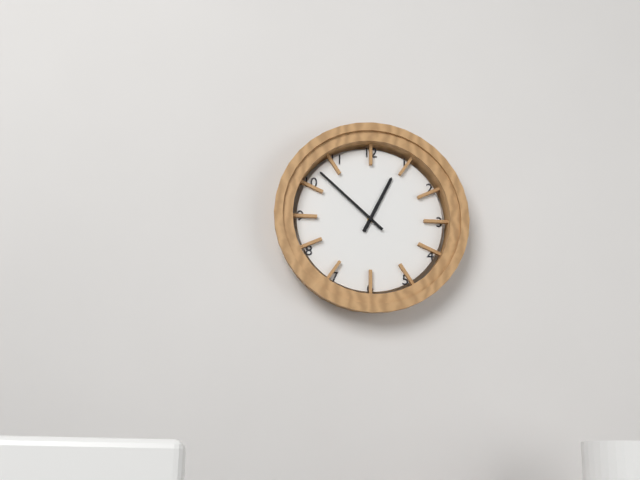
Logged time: 12 h 52 min
